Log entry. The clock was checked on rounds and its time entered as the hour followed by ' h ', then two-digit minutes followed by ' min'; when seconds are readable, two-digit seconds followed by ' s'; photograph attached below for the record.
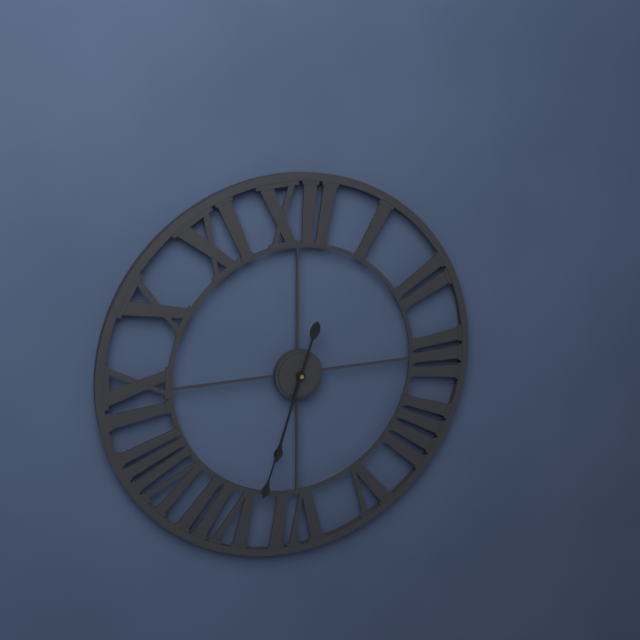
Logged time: 6 h 33 min
